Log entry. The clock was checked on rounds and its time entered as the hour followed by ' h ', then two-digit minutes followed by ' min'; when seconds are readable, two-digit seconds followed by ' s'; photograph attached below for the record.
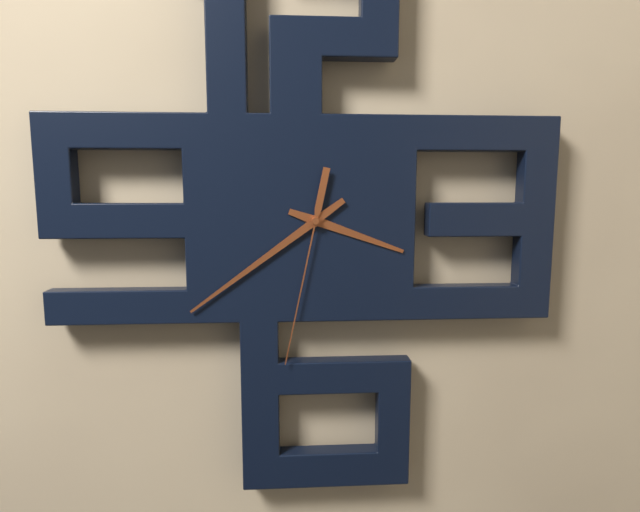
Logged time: 3 h 39 min 32 s
